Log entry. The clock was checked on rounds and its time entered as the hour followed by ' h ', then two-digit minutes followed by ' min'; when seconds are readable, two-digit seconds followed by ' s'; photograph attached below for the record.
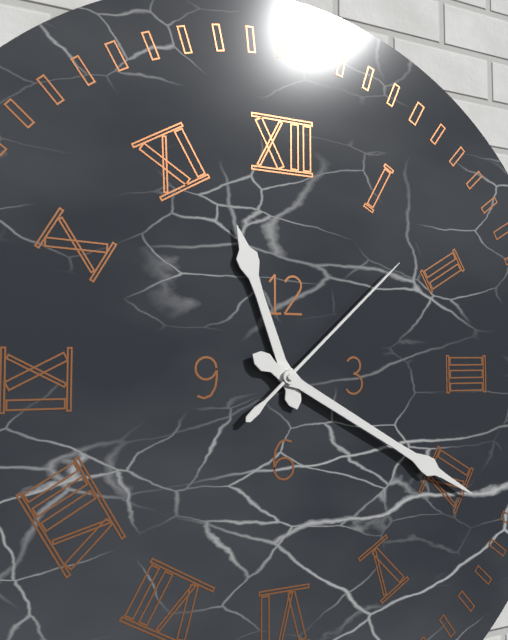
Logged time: 11 h 20 min 08 s
